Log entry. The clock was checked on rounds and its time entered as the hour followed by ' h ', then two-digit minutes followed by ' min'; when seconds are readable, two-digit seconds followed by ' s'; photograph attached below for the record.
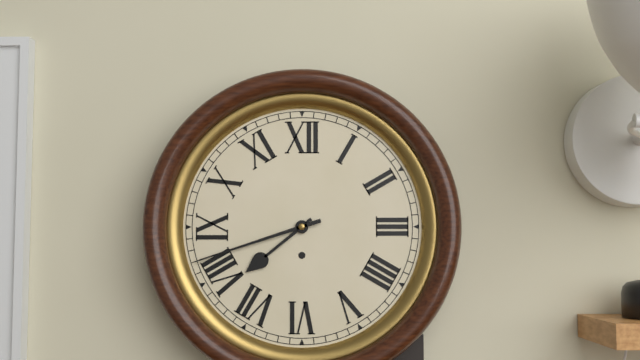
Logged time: 7 h 42 min
